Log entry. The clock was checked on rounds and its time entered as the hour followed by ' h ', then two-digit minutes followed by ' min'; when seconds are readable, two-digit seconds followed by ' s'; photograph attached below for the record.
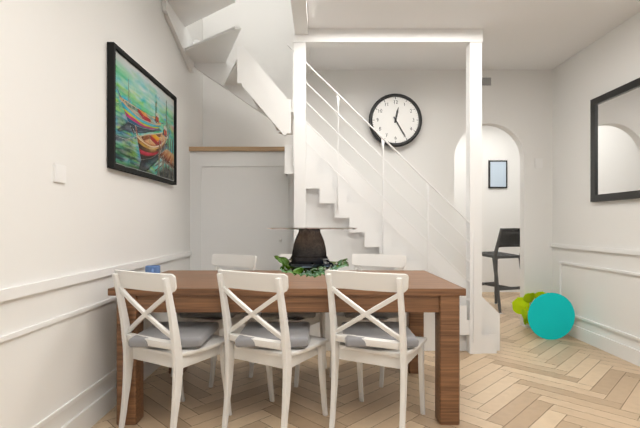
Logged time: 12 h 25 min
